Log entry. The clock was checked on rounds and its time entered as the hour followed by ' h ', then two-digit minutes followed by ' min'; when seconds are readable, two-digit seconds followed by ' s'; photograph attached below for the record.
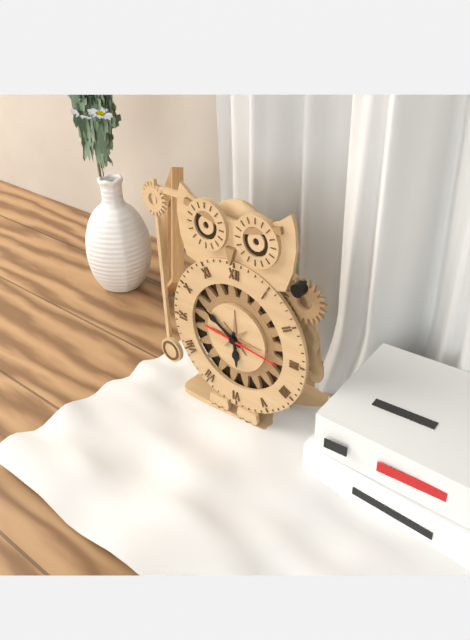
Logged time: 5 h 50 min 16 s
